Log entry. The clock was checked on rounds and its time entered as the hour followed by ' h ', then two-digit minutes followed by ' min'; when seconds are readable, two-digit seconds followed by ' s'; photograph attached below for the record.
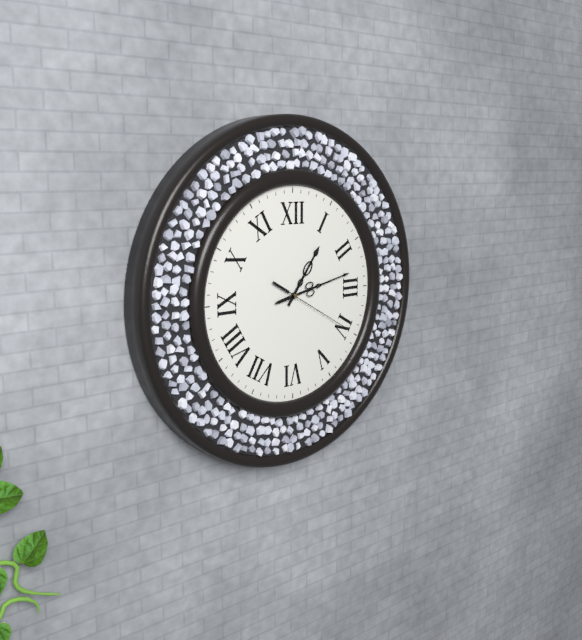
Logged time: 1 h 13 min 20 s
